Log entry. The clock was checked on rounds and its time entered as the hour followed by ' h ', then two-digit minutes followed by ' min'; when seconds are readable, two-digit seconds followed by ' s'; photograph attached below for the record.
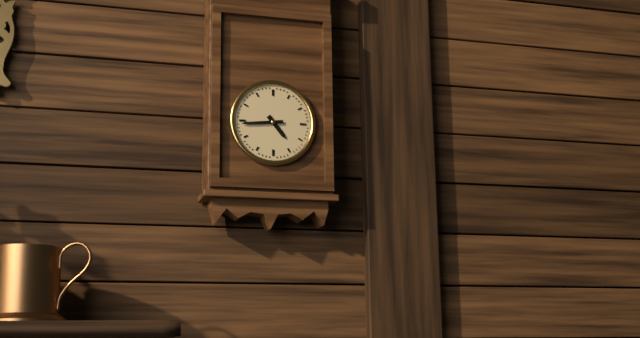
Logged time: 4 h 44 min
